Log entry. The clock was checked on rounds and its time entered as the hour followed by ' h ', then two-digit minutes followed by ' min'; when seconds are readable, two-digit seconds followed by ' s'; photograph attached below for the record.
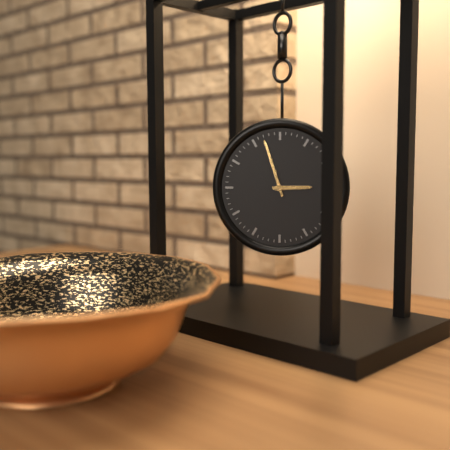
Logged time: 2 h 57 min
